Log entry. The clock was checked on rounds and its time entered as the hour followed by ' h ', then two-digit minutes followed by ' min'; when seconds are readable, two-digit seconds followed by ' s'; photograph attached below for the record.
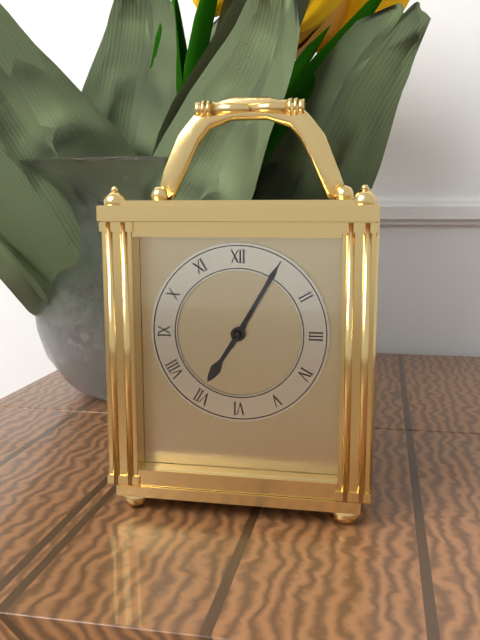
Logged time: 7 h 05 min
